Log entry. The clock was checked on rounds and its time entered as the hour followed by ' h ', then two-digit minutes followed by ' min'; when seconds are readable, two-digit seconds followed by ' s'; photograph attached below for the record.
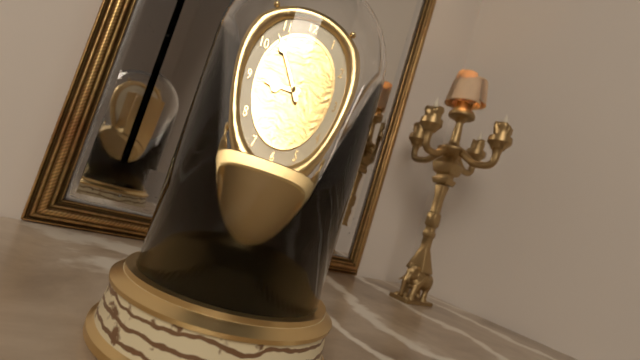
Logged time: 8 h 53 min
